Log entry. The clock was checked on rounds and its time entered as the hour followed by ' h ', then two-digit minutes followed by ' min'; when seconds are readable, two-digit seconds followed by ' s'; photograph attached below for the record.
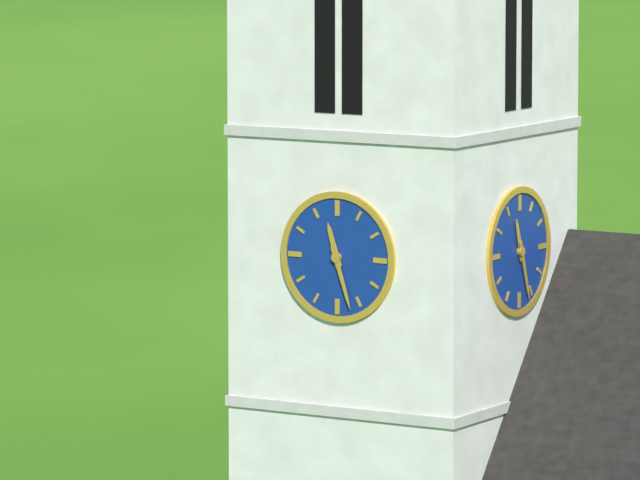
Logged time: 11 h 27 min
